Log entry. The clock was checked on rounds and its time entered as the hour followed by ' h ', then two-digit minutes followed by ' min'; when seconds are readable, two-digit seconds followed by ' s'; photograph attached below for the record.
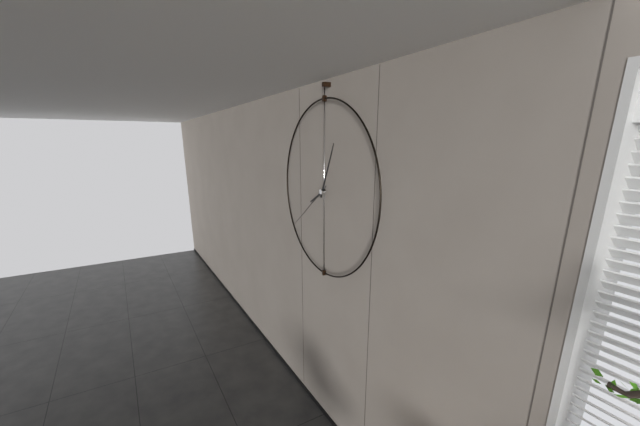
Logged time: 8 h 04 min 39 s
